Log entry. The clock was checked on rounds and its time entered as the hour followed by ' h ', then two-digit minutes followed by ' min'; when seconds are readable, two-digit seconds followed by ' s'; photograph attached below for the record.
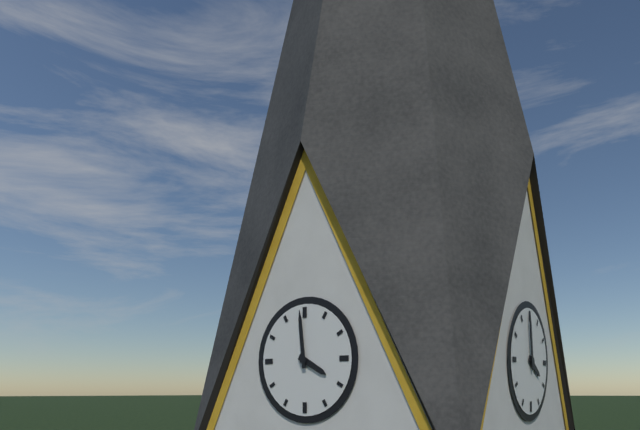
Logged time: 3 h 59 min
